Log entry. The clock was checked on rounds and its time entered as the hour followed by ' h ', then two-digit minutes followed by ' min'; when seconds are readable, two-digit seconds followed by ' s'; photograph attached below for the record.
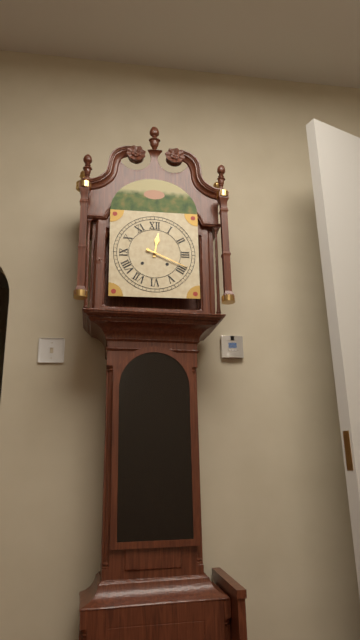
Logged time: 12 h 19 min
